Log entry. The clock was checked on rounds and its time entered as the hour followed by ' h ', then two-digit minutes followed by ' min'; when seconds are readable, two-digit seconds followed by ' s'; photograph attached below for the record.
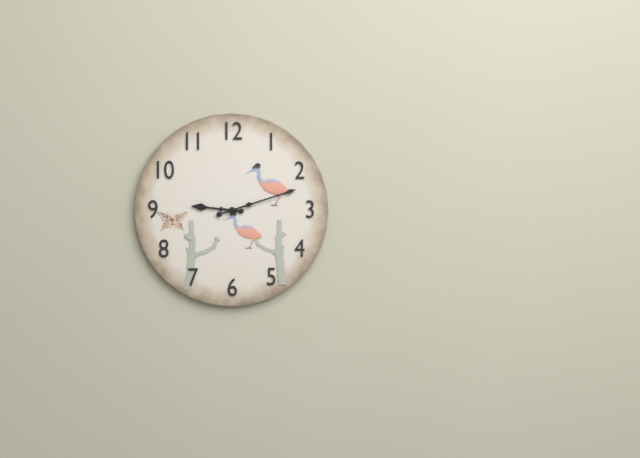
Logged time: 9 h 12 min
